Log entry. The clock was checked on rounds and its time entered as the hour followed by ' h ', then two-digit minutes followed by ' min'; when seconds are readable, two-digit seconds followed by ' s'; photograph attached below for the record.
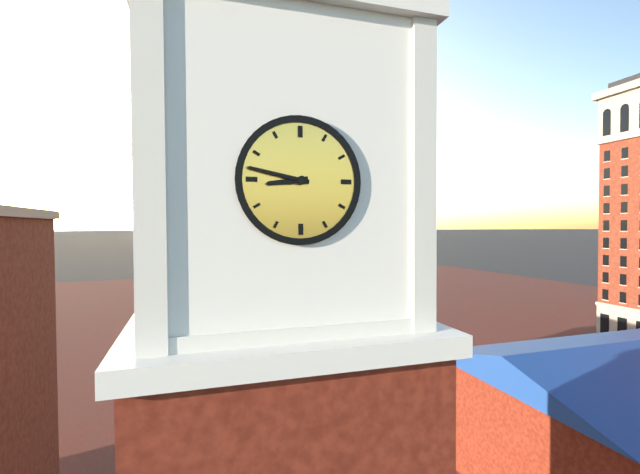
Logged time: 8 h 47 min
